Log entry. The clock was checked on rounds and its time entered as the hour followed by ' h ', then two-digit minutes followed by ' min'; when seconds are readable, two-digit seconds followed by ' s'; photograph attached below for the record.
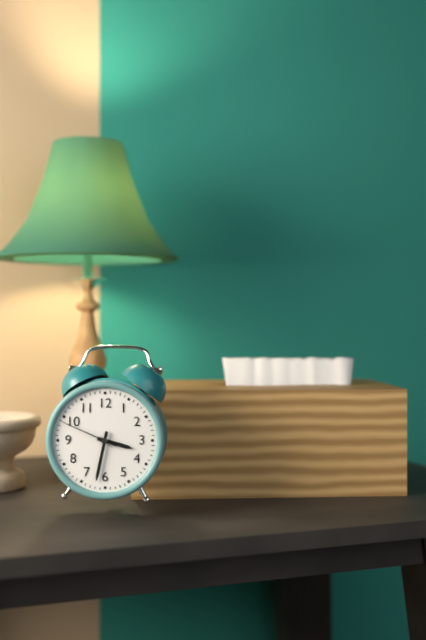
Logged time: 3 h 32 min 49 s
